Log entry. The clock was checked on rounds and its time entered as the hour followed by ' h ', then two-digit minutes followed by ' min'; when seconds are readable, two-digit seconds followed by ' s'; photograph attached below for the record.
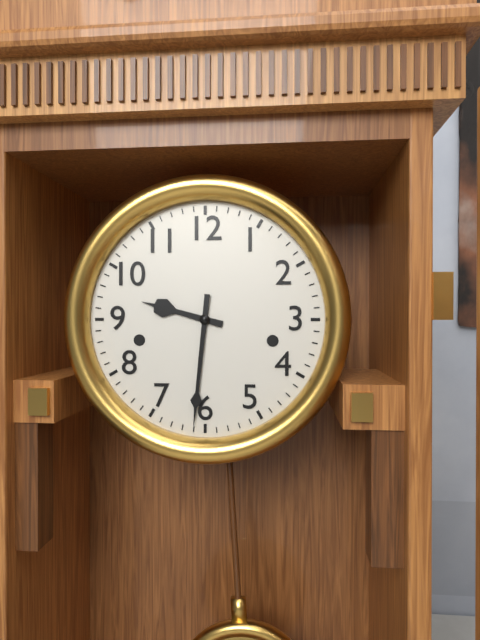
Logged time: 9 h 31 min
